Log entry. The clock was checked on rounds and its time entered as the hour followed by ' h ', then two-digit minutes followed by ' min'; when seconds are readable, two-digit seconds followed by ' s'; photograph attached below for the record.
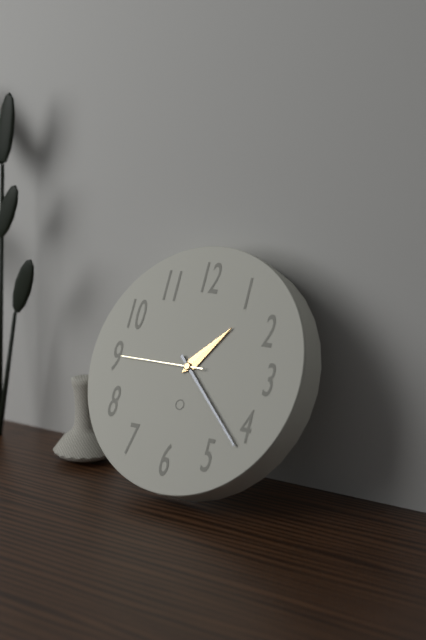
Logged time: 1 h 22 min 45 s
